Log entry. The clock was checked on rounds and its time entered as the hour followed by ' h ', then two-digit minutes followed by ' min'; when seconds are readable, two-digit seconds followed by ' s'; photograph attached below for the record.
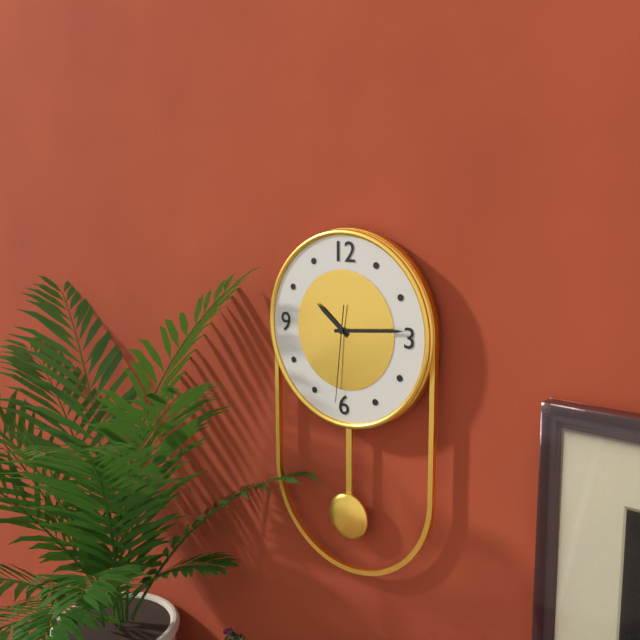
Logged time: 10 h 14 min 31 s
